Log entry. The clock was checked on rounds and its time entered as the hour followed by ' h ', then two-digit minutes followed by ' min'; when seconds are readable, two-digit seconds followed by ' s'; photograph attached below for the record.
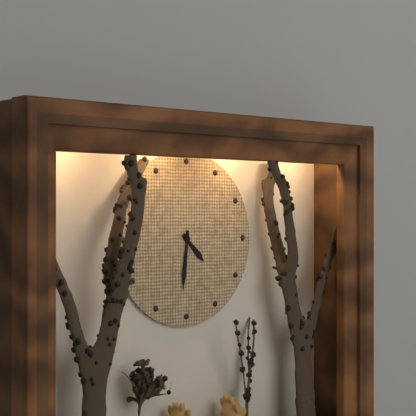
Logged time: 4 h 31 min
